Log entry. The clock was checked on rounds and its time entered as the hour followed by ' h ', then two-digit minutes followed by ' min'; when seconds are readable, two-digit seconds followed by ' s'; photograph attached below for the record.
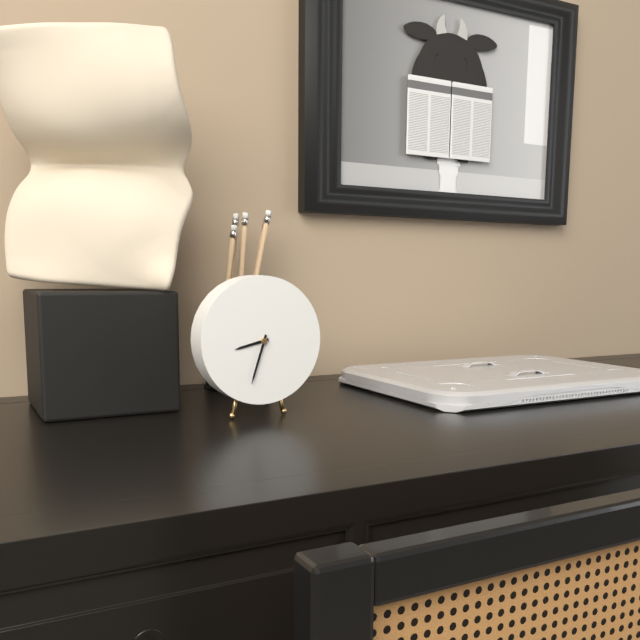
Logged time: 8 h 33 min
